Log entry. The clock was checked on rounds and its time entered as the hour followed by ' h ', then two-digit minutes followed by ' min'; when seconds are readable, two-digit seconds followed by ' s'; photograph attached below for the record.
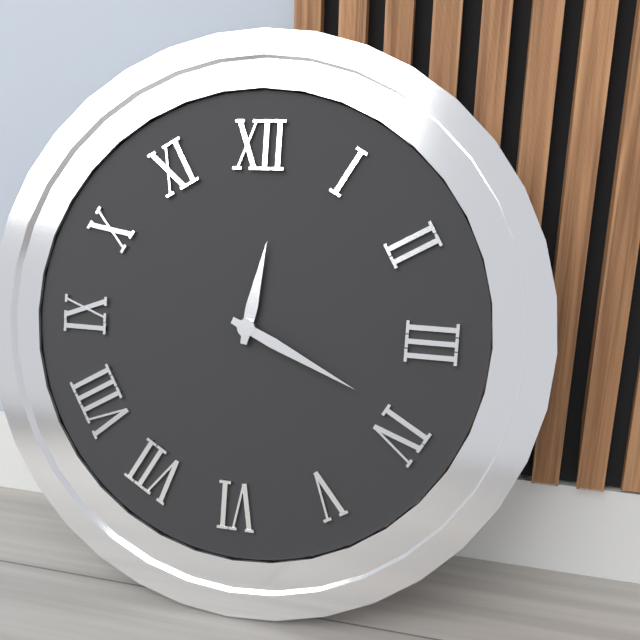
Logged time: 12 h 19 min
